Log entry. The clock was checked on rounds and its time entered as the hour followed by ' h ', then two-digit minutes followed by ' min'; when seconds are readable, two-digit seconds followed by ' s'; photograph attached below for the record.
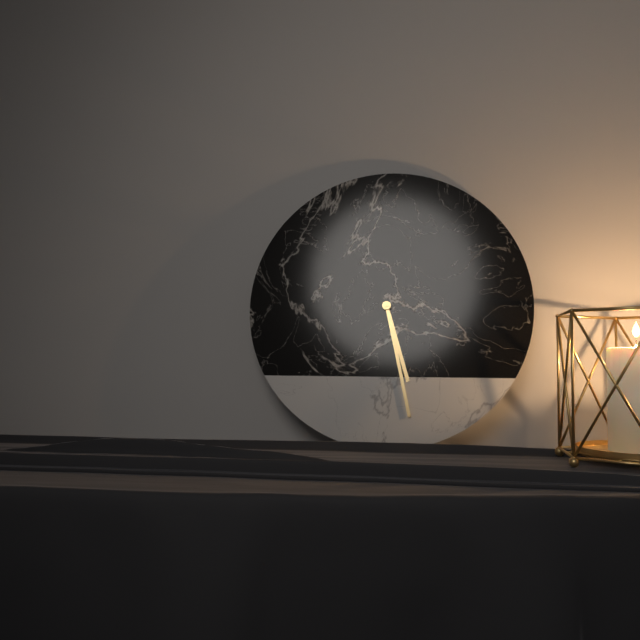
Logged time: 5 h 28 min
